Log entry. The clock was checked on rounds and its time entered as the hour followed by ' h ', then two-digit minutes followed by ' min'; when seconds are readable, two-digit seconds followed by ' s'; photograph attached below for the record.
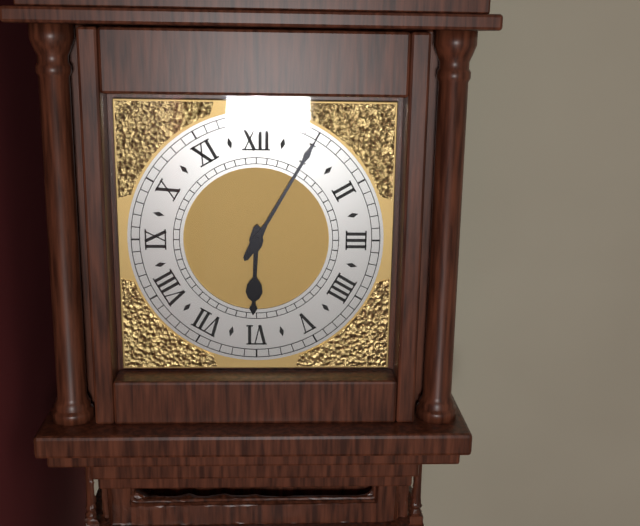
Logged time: 6 h 05 min
